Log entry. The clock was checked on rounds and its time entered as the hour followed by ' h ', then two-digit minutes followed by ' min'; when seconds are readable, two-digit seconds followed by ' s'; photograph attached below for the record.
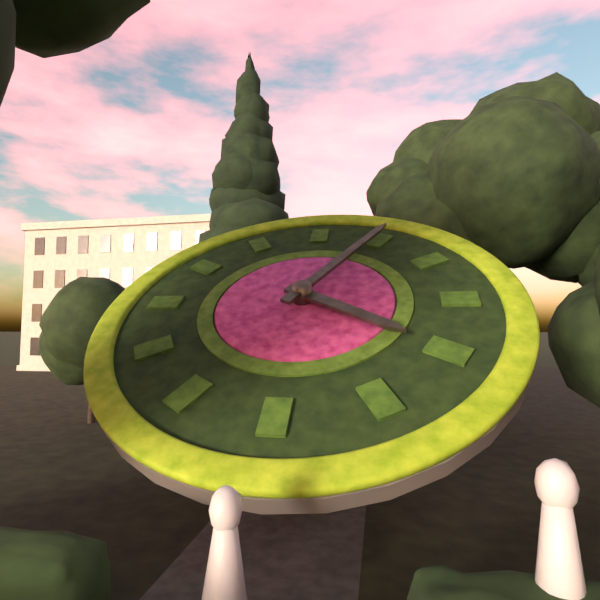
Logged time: 4 h 05 min
